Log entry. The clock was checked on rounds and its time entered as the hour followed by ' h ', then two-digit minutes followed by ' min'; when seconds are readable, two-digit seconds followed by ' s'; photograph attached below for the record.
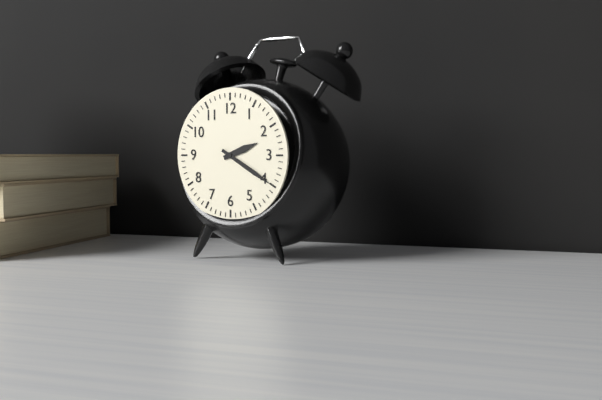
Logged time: 2 h 20 min
